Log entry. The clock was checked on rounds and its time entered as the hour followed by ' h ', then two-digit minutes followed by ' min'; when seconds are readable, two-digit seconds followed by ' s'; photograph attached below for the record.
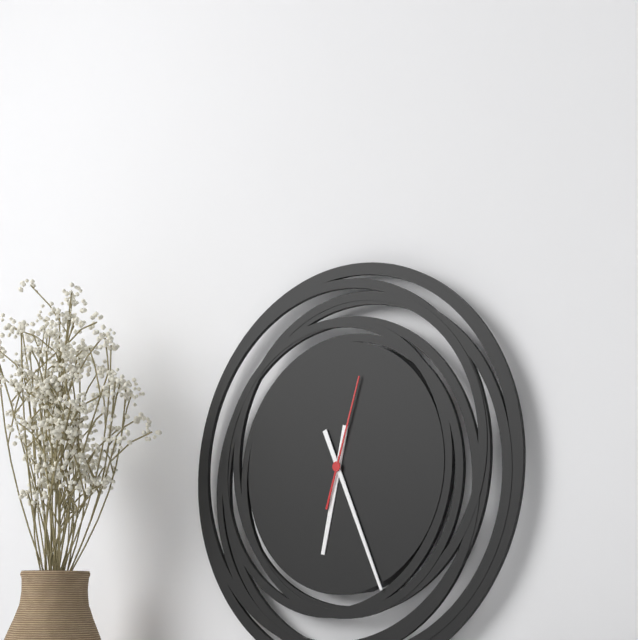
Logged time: 6 h 26 min 03 s
